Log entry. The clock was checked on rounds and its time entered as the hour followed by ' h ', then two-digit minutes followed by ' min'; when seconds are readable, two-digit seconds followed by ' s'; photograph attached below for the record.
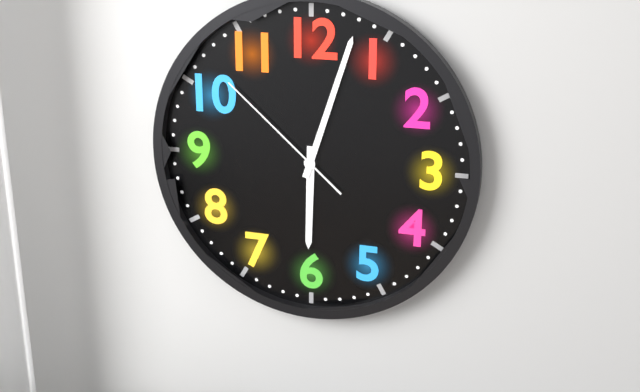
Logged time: 6 h 03 min 52 s
